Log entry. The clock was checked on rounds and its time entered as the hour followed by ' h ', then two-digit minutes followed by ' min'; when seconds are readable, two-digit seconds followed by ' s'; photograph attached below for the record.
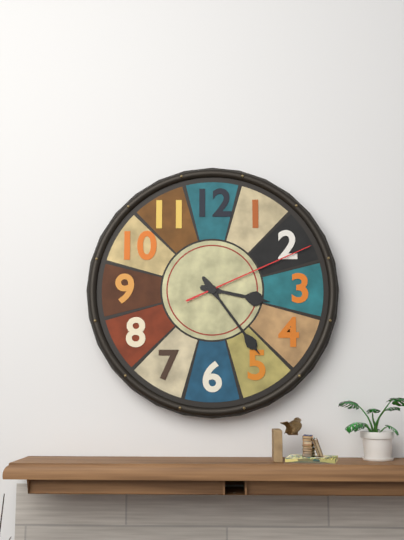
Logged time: 3 h 24 min 11 s
